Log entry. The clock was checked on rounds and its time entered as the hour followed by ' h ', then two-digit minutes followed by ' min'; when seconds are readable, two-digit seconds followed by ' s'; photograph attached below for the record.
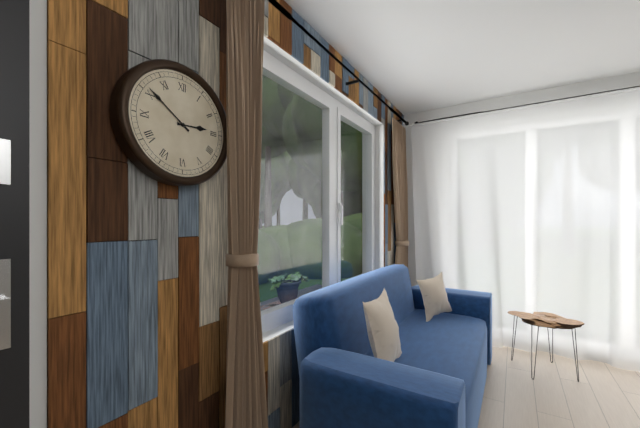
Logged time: 2 h 51 min
